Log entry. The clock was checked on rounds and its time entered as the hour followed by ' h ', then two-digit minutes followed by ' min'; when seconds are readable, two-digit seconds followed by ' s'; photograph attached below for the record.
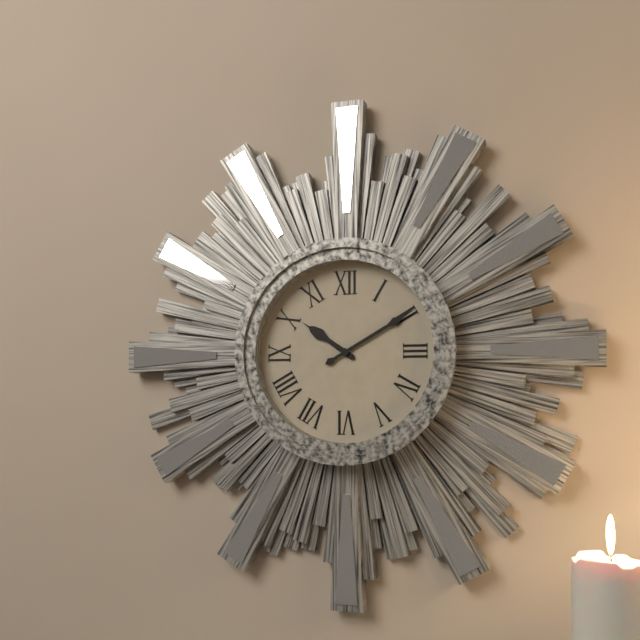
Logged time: 10 h 10 min
